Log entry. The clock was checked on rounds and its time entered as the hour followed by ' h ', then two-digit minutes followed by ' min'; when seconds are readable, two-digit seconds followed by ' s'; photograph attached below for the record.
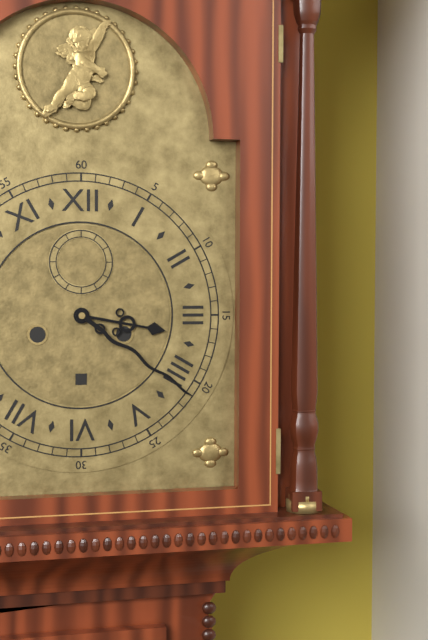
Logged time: 3 h 21 min
